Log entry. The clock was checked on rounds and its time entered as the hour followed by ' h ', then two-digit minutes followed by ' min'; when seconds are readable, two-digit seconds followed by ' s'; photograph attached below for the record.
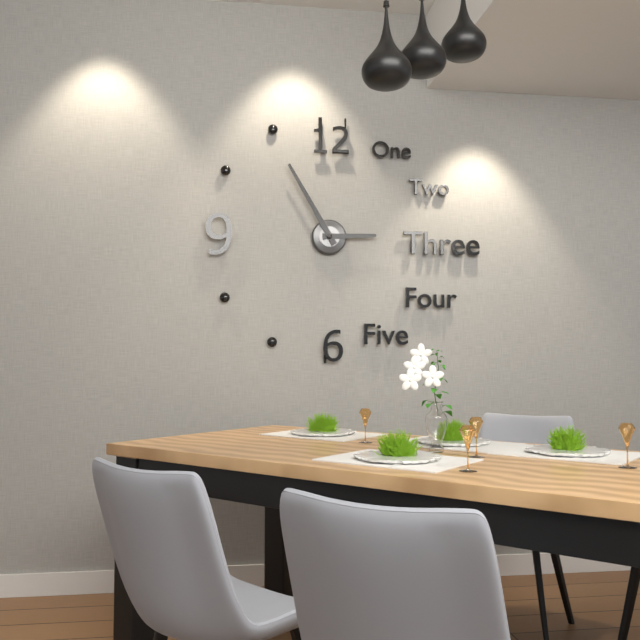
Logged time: 2 h 55 min
